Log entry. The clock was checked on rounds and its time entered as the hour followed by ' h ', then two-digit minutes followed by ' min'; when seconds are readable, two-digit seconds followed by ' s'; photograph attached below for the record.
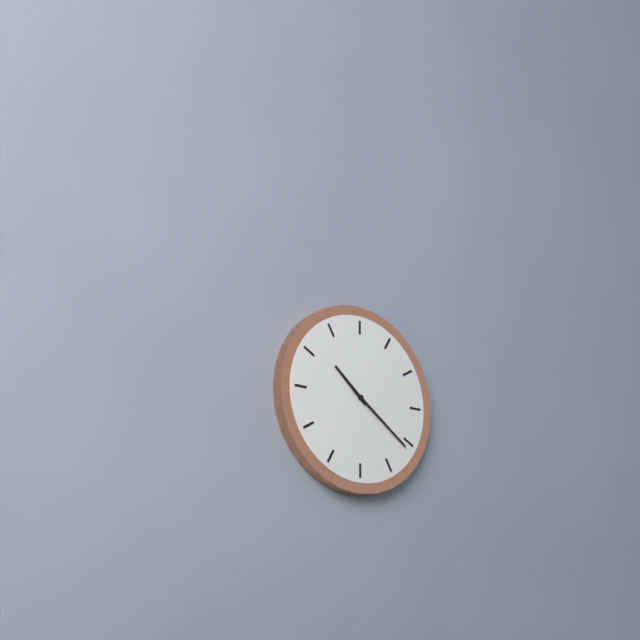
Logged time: 10 h 21 min
